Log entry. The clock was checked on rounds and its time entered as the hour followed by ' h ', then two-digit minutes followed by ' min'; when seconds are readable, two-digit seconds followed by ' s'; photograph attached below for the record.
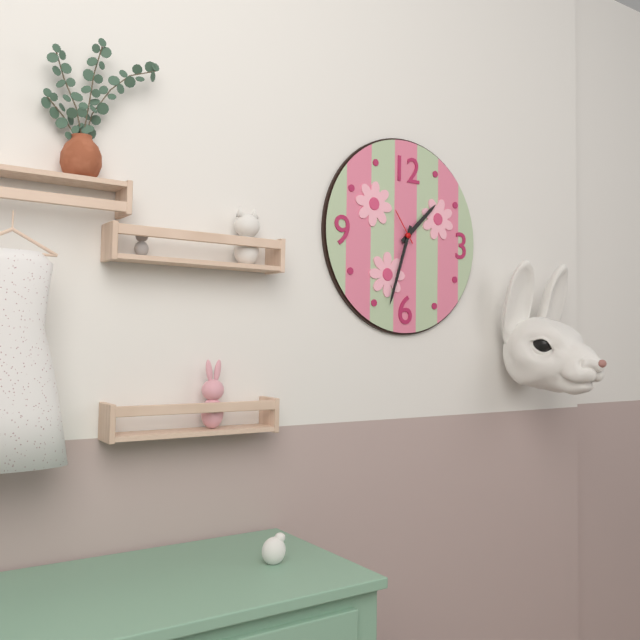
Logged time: 1 h 33 min
